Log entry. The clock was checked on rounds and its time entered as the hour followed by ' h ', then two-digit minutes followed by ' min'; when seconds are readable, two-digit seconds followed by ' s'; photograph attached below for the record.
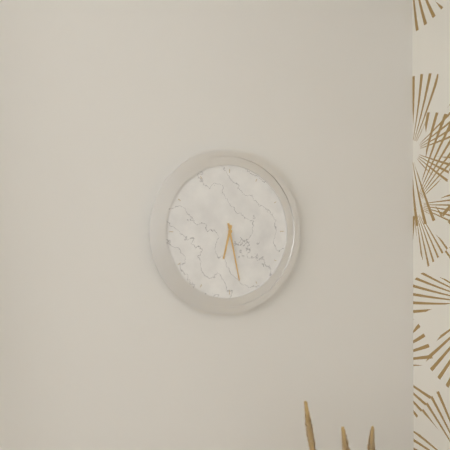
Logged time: 6 h 28 min
